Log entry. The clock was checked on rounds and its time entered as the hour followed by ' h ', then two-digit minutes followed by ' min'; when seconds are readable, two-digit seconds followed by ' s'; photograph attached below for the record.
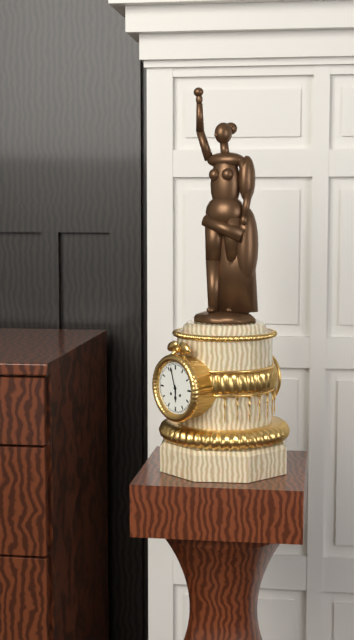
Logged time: 5 h 57 min
